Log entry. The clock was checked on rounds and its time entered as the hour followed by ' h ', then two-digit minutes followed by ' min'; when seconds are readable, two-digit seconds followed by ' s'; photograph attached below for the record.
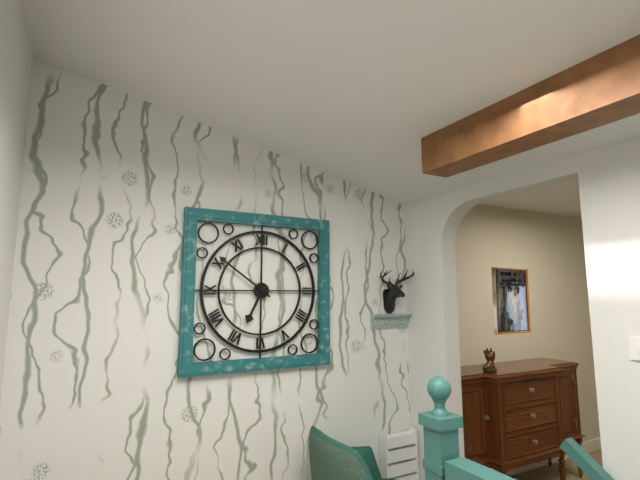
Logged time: 6 h 51 min
